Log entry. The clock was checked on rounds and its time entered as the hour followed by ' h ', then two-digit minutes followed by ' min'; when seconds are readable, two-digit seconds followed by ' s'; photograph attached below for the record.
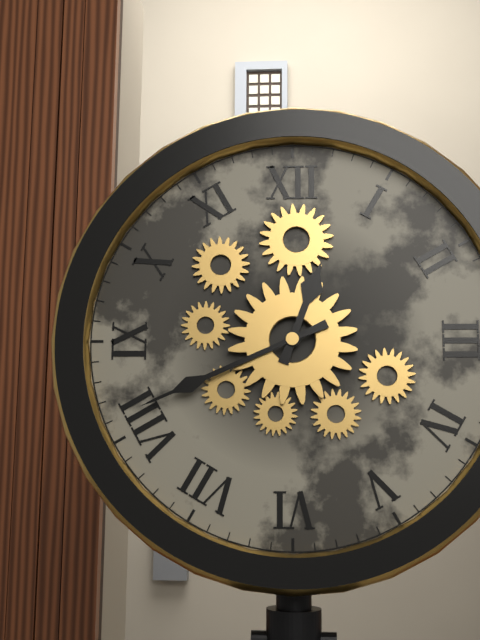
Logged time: 12 h 41 min
